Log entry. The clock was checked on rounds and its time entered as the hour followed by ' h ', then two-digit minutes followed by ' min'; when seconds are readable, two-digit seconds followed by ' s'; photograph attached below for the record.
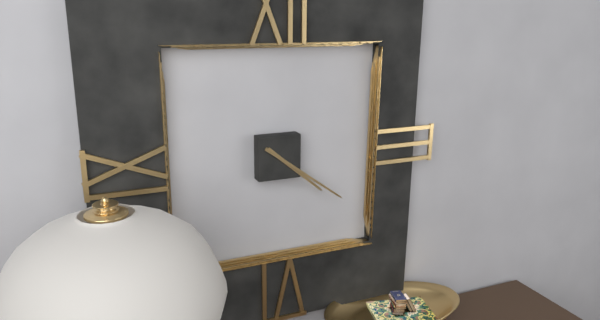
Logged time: 4 h 21 min
